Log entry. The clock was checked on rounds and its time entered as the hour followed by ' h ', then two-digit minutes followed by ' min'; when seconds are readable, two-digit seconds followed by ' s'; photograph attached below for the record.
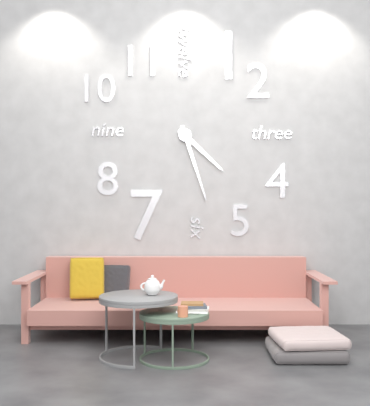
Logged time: 4 h 27 min
